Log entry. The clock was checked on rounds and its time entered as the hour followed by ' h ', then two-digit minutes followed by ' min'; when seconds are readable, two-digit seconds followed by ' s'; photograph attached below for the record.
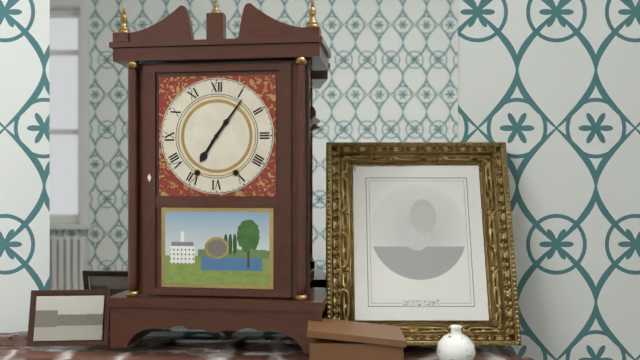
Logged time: 7 h 06 min
